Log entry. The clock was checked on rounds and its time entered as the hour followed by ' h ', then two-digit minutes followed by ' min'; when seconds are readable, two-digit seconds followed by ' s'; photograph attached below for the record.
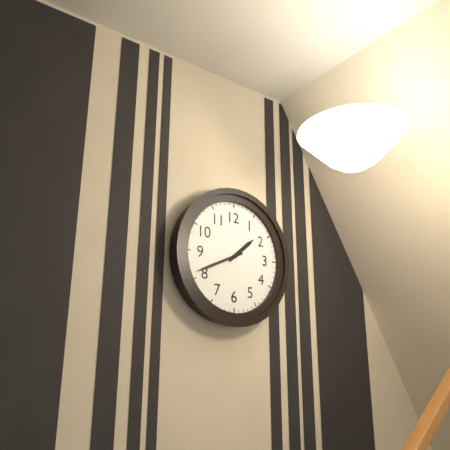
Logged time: 1 h 41 min
